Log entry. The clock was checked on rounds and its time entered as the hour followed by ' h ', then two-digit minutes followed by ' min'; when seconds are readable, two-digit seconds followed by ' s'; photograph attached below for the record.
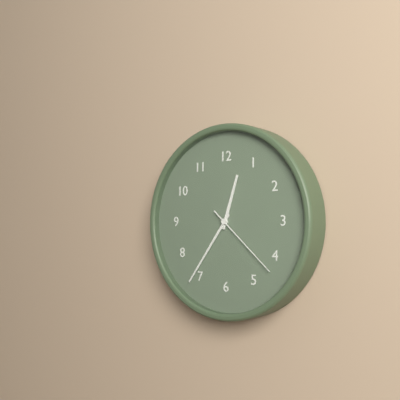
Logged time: 12 h 36 min 22 s
